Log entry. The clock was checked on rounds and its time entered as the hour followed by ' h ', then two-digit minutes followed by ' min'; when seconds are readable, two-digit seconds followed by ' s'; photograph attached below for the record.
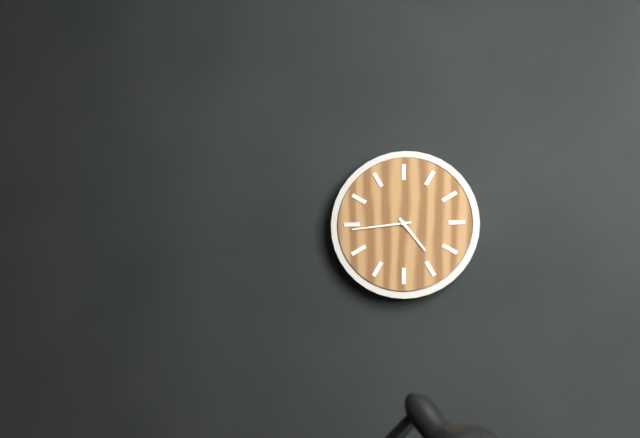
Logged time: 4 h 44 min
